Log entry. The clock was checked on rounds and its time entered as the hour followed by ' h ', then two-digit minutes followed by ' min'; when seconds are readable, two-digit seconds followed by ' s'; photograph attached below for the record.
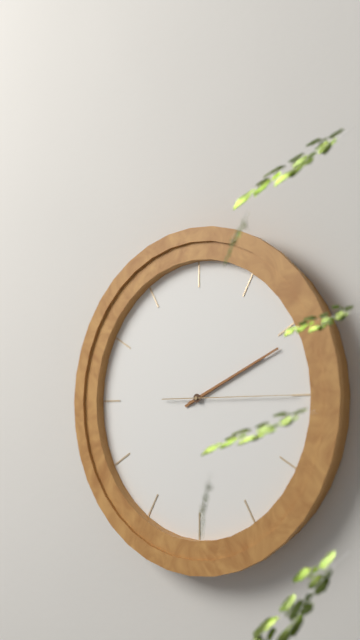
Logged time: 2 h 11 min 15 s
